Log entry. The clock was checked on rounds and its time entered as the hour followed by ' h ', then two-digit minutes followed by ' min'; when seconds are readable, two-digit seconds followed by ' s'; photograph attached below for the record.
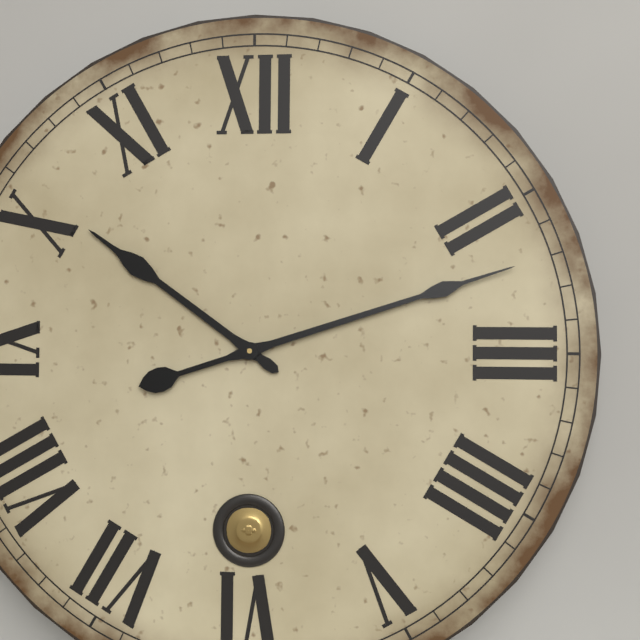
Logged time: 10 h 12 min
